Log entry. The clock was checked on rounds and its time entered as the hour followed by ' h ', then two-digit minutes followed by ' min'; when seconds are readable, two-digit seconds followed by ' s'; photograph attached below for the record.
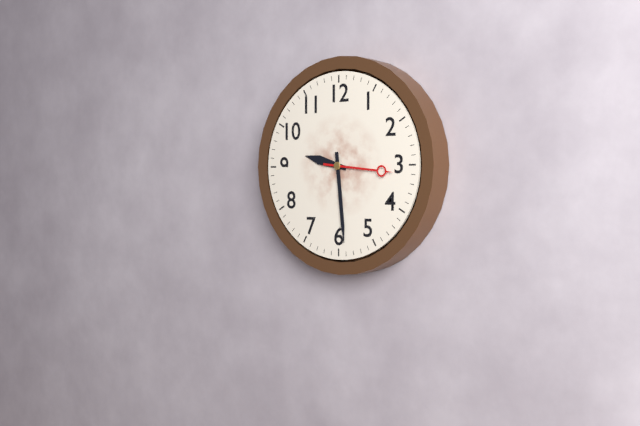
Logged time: 9 h 29 min 16 s
